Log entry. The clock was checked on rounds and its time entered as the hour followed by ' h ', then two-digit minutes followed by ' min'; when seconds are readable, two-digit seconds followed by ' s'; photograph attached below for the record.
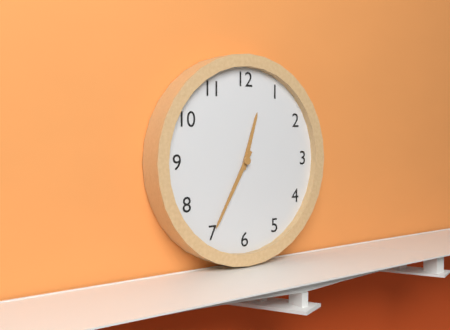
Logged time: 12 h 35 min
